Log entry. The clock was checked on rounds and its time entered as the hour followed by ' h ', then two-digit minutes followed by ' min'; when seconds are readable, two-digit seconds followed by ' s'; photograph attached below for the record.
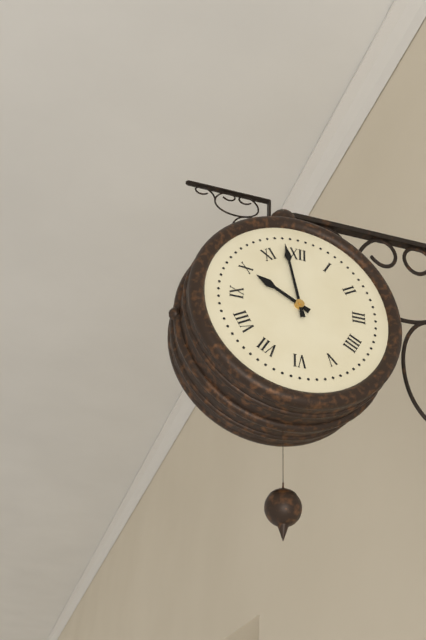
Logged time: 9 h 58 min
